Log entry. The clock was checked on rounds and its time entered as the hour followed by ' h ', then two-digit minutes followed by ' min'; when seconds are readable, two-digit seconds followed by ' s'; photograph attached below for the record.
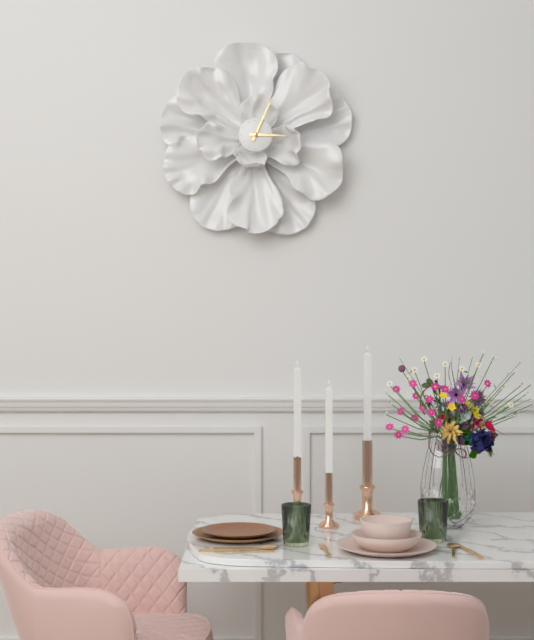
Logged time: 3 h 04 min
